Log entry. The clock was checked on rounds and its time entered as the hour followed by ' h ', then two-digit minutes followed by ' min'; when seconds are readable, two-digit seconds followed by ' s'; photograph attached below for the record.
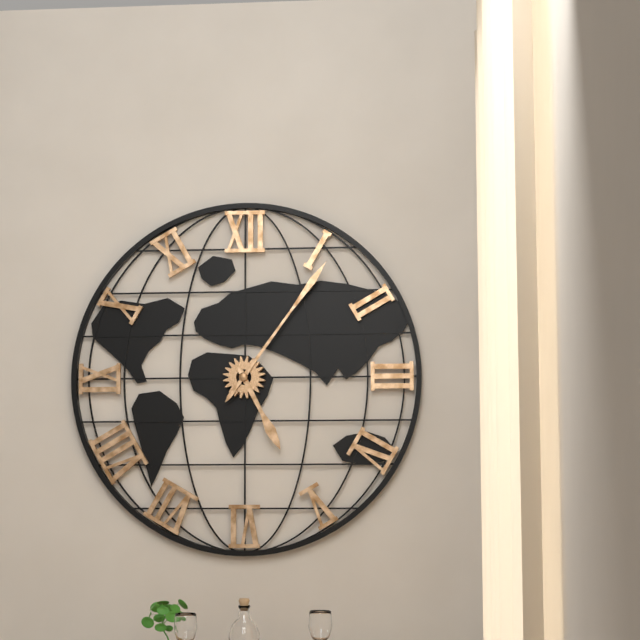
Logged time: 5 h 06 min
